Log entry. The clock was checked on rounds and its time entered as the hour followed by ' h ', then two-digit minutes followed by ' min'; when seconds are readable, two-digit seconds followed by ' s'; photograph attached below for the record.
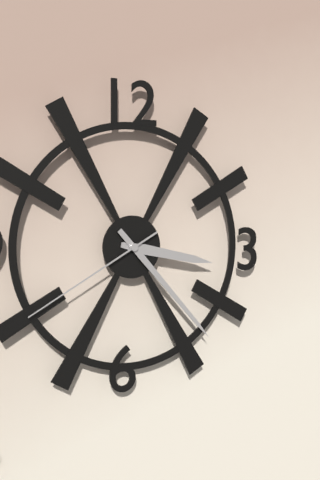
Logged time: 3 h 23 min 40 s
